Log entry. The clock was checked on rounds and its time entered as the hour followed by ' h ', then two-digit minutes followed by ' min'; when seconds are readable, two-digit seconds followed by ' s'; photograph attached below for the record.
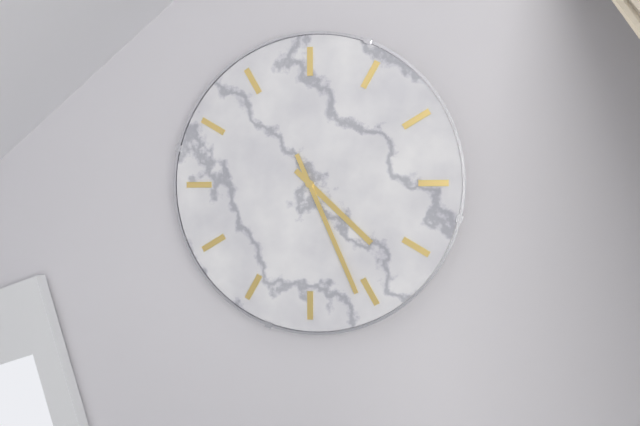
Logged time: 4 h 26 min
